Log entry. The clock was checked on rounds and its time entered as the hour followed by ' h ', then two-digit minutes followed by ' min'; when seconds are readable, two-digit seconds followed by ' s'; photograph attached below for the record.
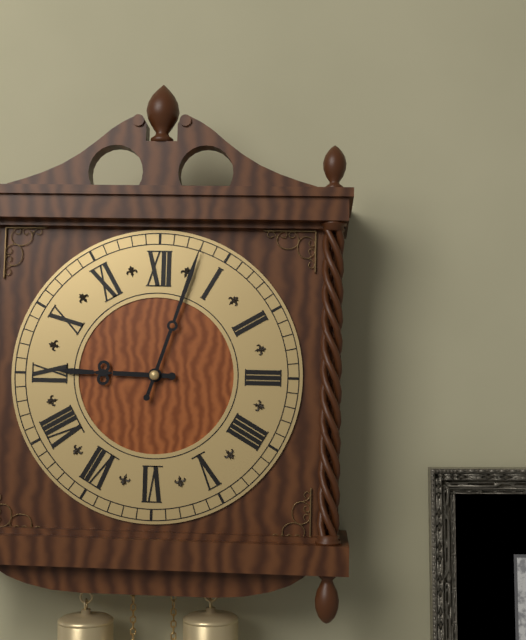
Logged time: 9 h 03 min
